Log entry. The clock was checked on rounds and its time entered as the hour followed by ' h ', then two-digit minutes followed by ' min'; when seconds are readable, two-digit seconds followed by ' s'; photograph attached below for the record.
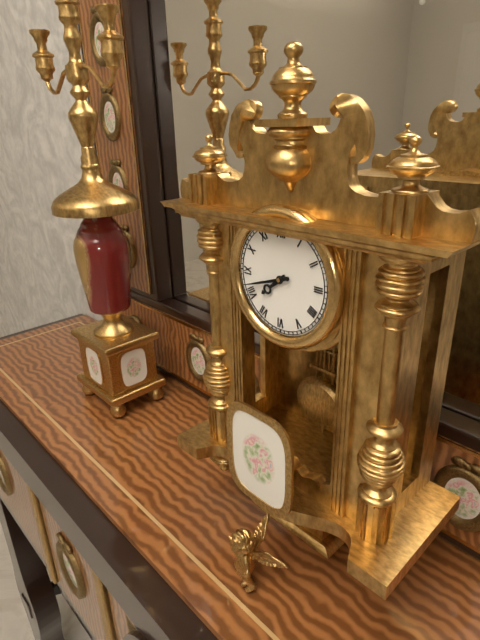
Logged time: 7 h 42 min
